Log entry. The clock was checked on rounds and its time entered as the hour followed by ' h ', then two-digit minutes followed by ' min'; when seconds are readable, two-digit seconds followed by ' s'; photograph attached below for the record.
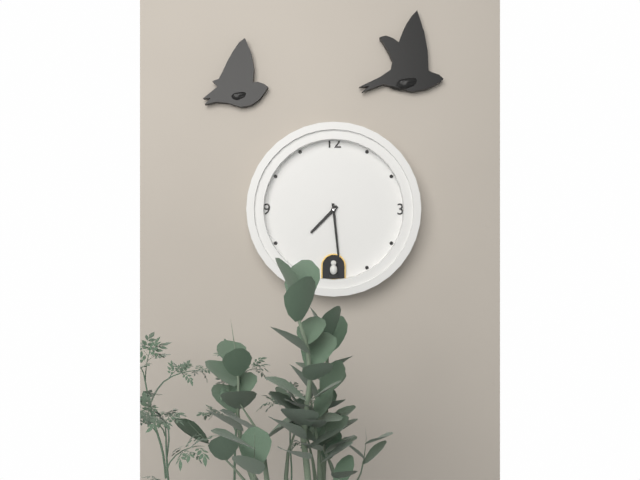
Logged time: 7 h 29 min
